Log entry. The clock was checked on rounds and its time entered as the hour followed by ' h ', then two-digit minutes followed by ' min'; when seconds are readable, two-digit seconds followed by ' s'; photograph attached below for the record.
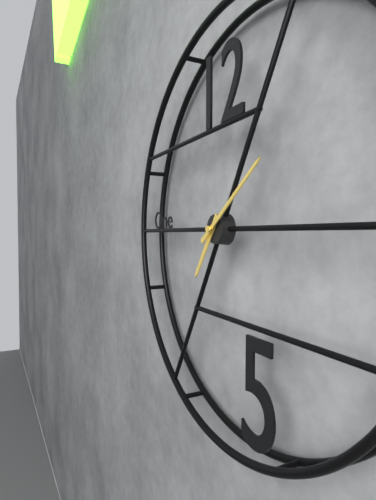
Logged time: 7 h 09 min
